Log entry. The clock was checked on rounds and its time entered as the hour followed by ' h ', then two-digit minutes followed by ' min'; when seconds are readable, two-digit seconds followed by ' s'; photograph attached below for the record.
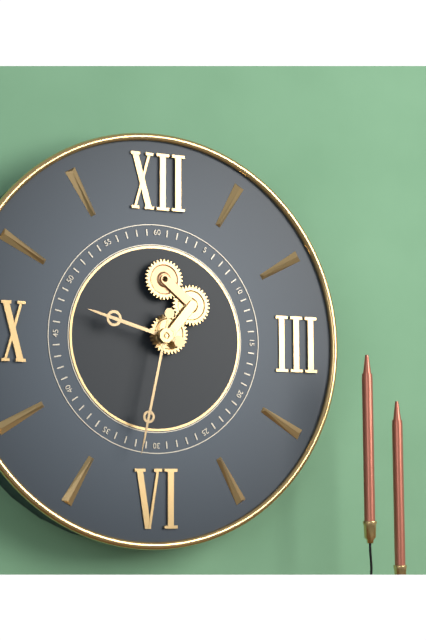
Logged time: 9 h 32 min
